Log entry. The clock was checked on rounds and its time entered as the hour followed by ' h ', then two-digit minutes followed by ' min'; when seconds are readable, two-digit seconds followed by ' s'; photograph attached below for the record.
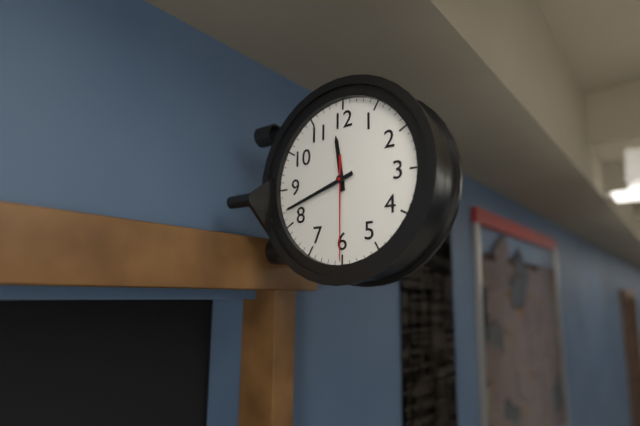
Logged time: 11 h 42 min 30 s
